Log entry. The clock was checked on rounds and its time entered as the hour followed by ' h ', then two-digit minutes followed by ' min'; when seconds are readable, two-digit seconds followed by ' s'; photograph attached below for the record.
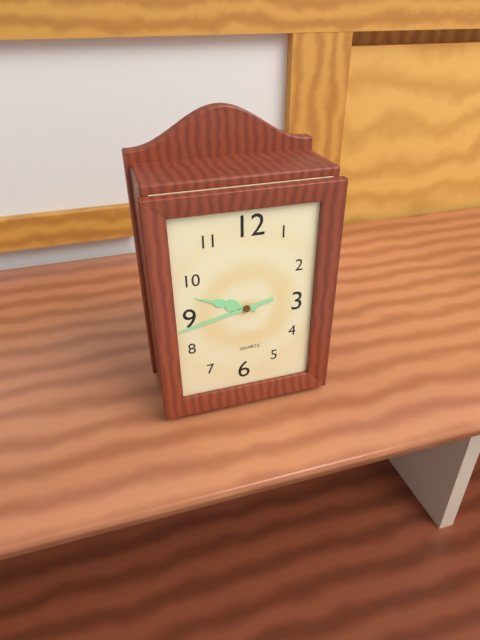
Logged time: 9 h 43 min
